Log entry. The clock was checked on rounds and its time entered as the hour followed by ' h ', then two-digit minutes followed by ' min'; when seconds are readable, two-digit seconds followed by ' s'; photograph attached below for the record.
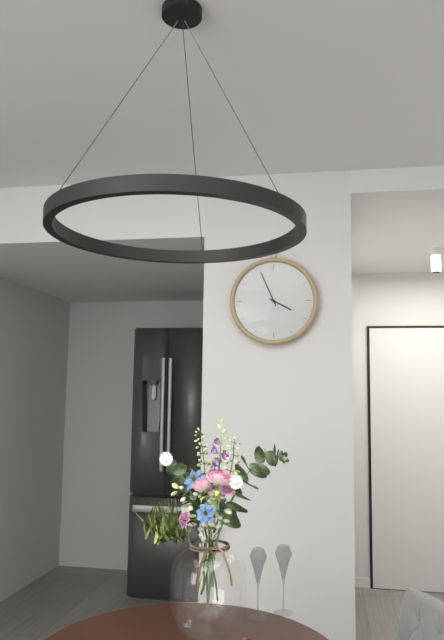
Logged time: 3 h 56 min
